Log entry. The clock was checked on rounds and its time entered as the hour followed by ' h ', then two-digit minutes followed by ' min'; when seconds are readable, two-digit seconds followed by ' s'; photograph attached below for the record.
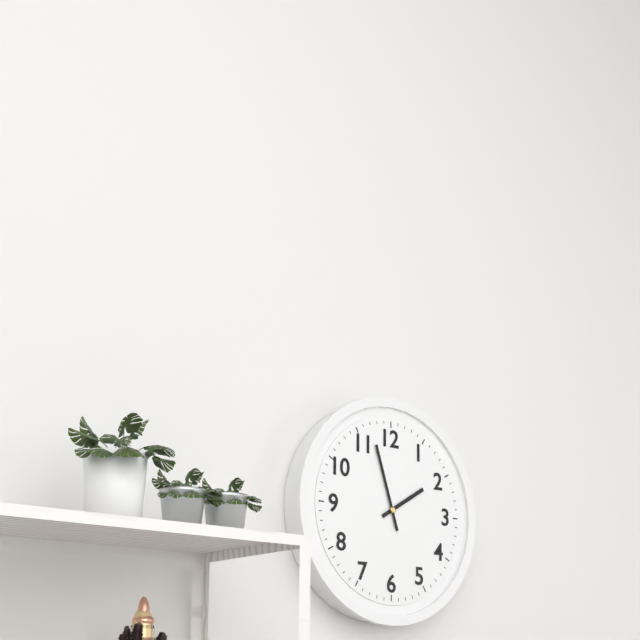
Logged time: 1 h 57 min
